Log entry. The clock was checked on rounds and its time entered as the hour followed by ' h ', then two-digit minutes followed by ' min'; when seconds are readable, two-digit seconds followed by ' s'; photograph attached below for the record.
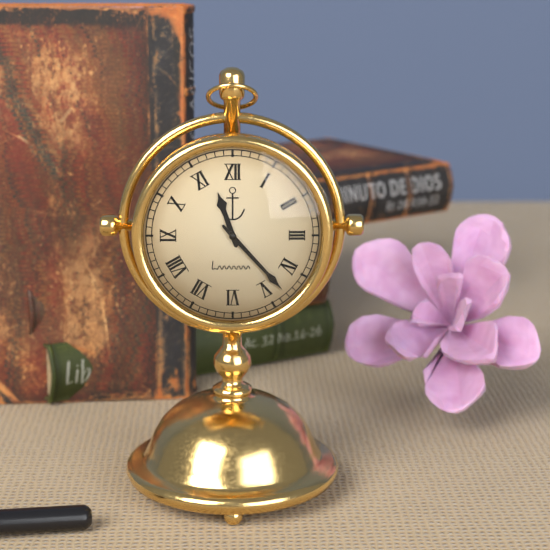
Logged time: 11 h 23 min
